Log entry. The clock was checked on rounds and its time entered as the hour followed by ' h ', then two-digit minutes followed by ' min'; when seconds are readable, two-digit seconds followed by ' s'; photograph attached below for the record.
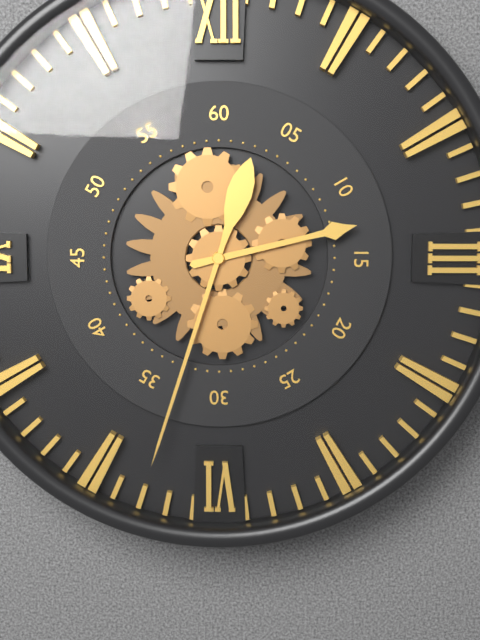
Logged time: 2 h 33 min
